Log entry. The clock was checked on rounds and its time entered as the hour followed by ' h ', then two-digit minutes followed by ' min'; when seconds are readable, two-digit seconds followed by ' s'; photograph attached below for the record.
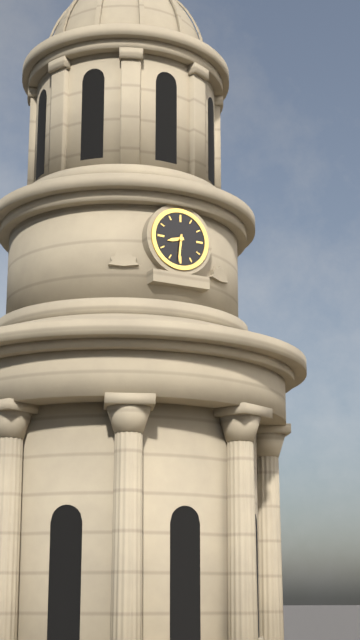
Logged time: 8 h 31 min
